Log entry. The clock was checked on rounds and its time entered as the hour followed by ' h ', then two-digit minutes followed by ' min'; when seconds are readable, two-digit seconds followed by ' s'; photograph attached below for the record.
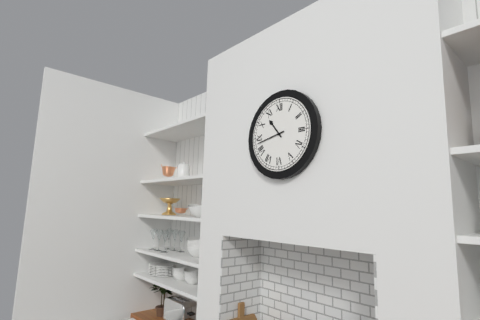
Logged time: 10 h 43 min
